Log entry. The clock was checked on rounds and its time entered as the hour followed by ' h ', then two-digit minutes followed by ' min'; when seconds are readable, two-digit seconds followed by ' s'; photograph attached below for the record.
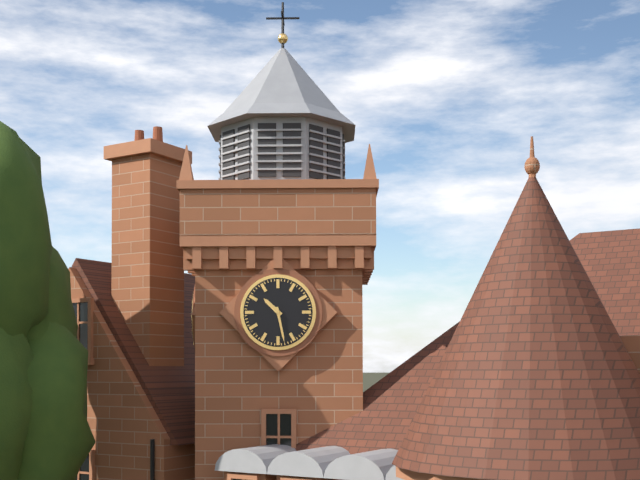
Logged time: 10 h 28 min
